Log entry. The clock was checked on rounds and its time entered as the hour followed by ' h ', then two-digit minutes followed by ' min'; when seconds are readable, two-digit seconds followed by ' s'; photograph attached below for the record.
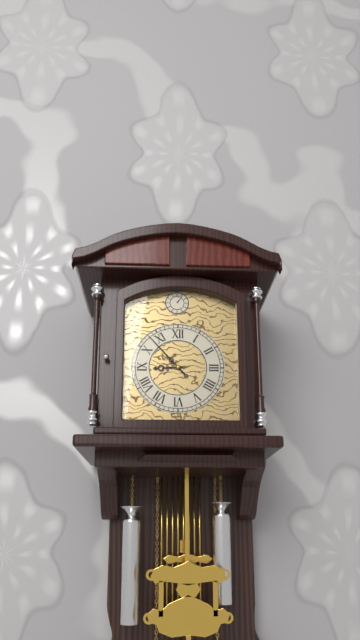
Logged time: 8 h 53 min
